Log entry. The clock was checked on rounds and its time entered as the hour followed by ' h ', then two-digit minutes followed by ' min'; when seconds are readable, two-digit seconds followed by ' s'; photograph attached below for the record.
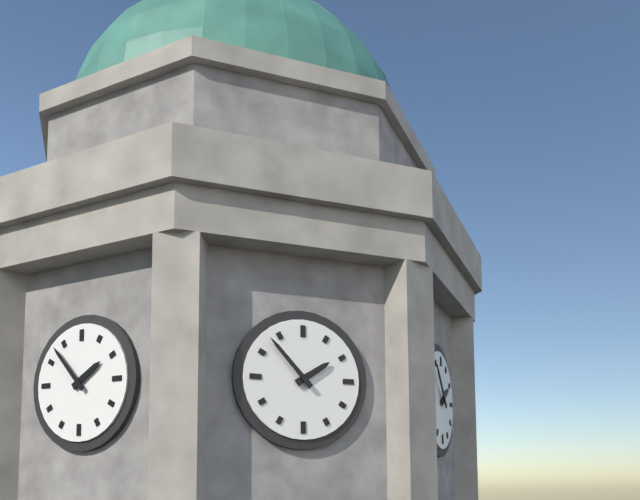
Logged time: 1 h 53 min
